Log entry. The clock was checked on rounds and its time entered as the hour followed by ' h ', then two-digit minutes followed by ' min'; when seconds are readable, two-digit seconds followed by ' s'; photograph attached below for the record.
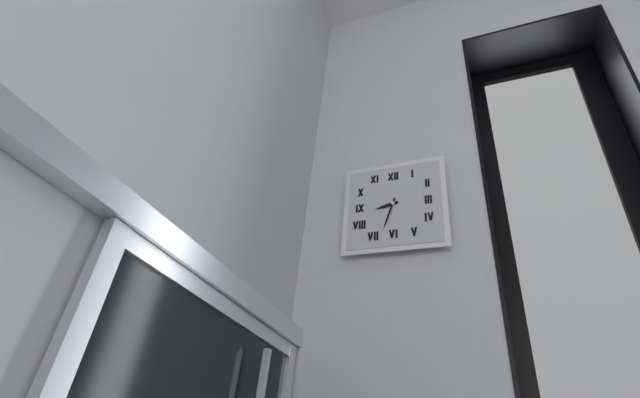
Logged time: 8 h 33 min
